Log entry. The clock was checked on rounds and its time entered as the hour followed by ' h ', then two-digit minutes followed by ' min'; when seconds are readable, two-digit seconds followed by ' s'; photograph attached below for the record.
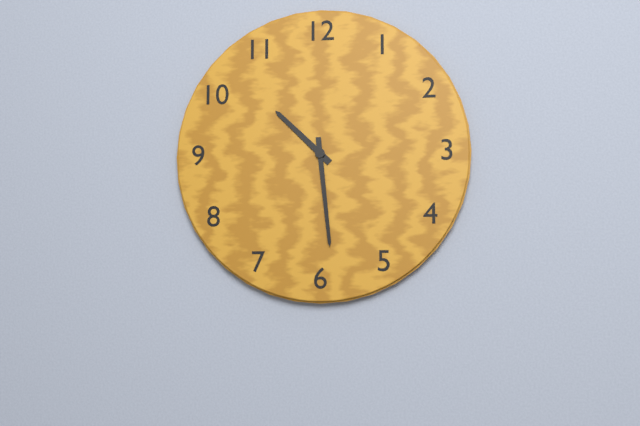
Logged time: 10 h 29 min
